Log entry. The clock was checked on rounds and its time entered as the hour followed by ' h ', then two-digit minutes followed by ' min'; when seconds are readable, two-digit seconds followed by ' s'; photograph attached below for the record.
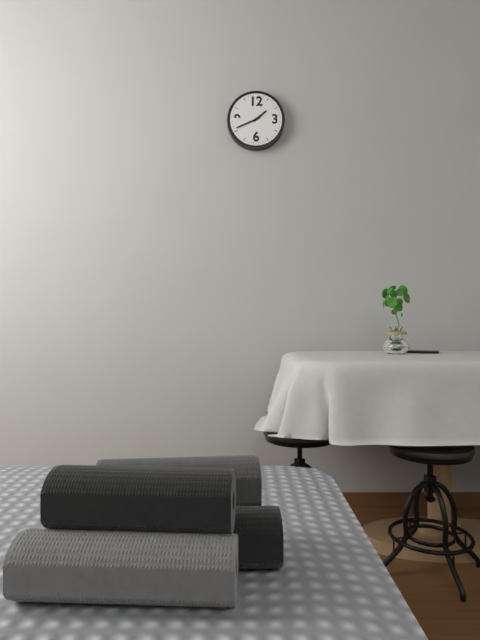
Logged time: 1 h 41 min
